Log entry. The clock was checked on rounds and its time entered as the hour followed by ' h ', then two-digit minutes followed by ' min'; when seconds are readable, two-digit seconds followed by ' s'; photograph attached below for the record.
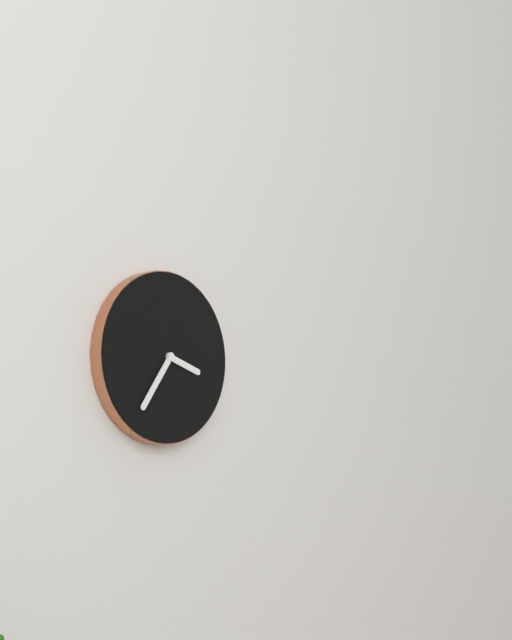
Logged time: 3 h 36 min
